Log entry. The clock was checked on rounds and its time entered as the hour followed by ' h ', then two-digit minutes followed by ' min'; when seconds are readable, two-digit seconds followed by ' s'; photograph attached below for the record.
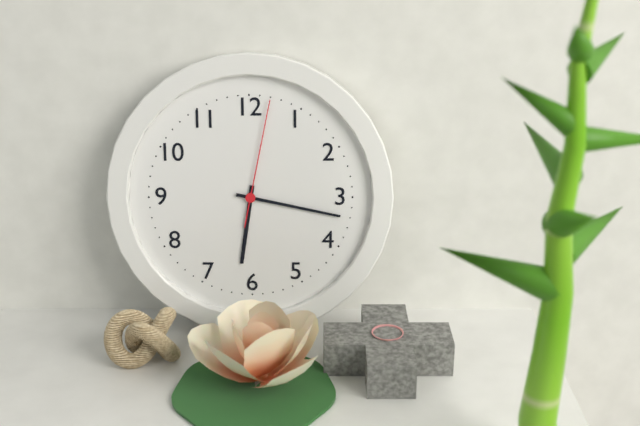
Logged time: 6 h 17 min 02 s
